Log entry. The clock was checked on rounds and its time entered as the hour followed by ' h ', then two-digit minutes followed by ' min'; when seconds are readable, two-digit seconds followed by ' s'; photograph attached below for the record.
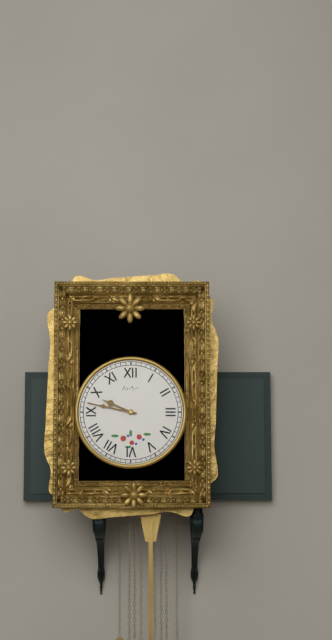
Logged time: 9 h 47 min
